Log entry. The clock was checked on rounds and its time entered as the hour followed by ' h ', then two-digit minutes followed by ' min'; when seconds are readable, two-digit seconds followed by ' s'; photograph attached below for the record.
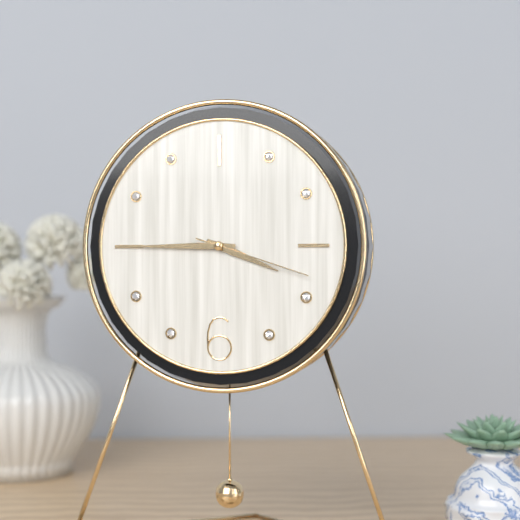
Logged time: 3 h 45 min 18 s
